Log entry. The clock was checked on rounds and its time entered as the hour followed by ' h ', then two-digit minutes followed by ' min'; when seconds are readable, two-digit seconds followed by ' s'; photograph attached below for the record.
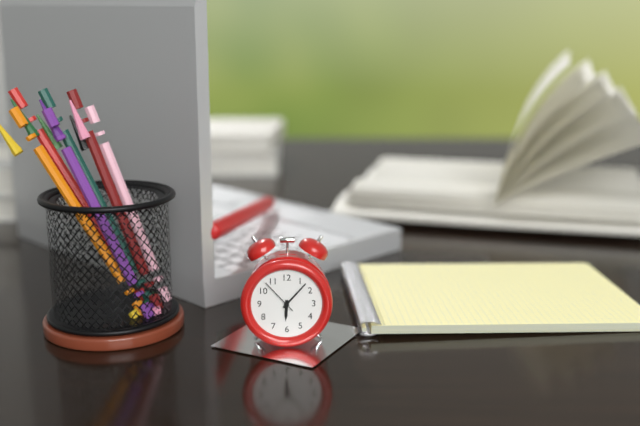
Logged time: 6 h 07 min
